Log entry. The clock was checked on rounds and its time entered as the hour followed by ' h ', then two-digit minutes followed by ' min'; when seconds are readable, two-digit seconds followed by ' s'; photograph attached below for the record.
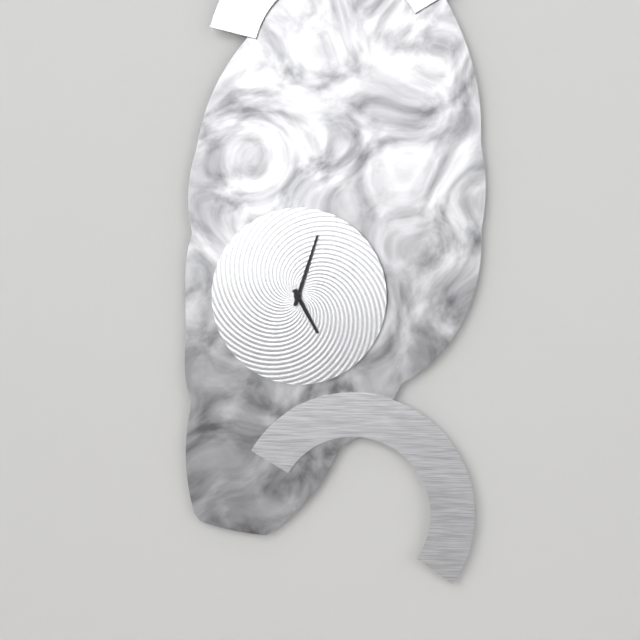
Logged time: 5 h 03 min
